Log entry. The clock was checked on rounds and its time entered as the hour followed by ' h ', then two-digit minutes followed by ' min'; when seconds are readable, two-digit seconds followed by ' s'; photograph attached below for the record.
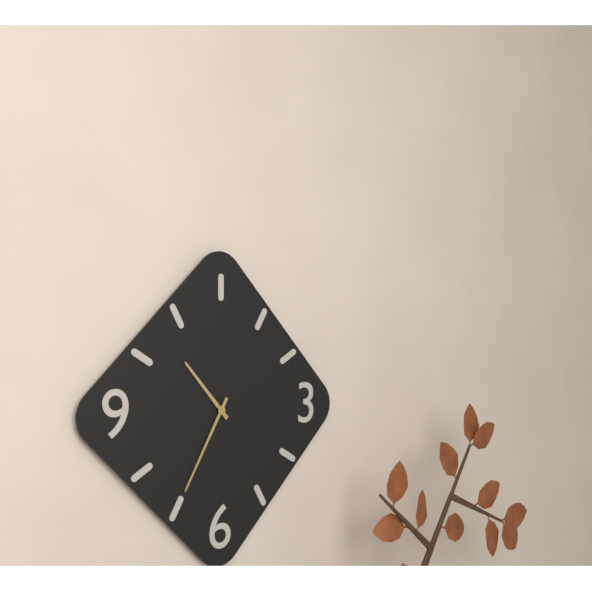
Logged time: 10 h 35 min
